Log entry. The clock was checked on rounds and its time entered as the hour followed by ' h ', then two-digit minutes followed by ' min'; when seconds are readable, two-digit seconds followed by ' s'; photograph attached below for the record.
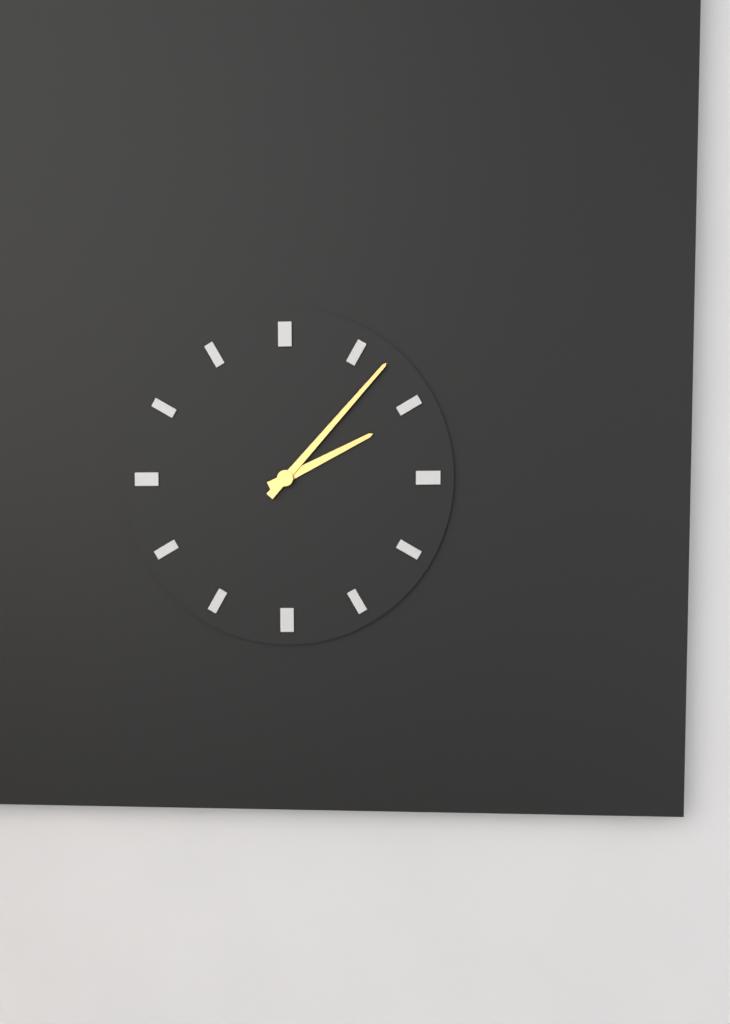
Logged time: 2 h 07 min
